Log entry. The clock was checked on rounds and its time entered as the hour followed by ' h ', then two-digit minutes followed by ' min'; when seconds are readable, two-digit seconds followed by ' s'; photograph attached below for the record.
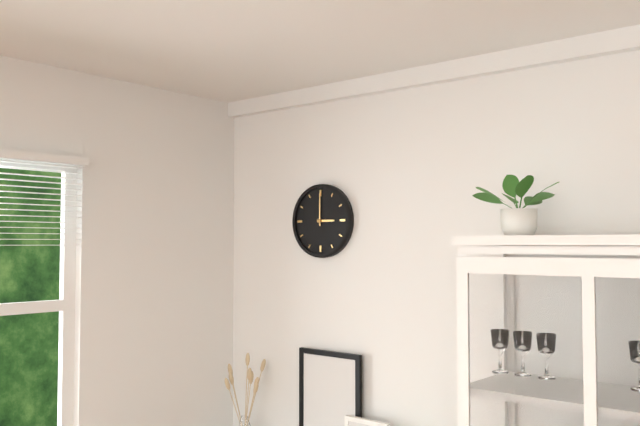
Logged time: 3 h 00 min
